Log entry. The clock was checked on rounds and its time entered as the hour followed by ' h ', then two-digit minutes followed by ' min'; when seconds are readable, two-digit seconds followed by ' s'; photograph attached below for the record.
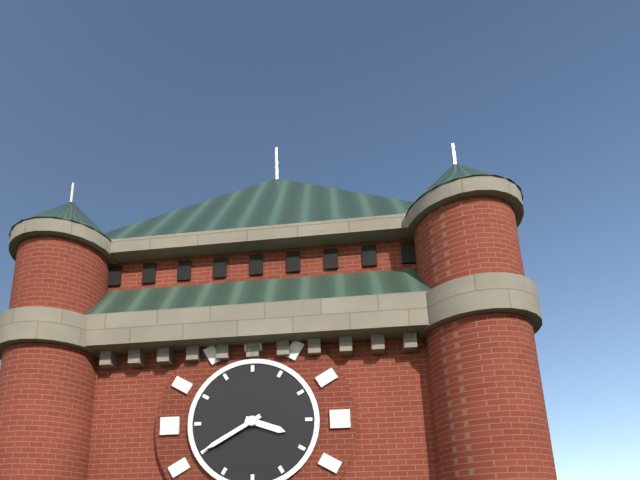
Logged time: 3 h 40 min
